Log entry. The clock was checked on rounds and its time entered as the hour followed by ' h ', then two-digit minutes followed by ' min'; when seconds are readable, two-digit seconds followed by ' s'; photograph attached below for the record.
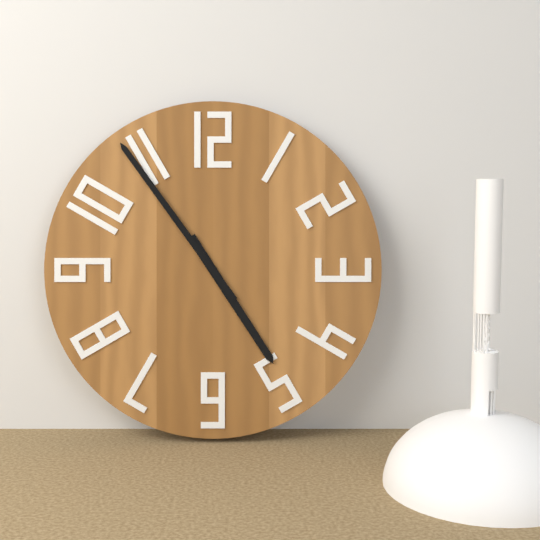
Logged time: 4 h 54 min
